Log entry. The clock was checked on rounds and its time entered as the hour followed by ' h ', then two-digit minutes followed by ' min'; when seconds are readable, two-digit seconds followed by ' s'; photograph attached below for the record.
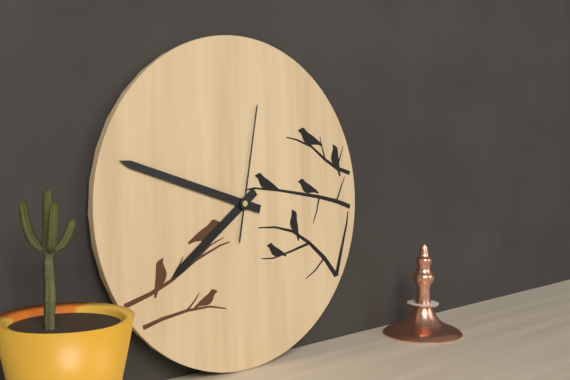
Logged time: 7 h 48 min 02 s
